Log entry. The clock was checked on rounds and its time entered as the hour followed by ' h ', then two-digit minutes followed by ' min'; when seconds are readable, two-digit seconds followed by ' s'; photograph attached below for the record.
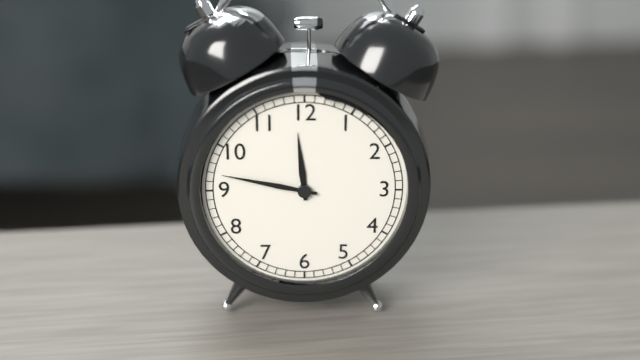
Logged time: 11 h 47 min
